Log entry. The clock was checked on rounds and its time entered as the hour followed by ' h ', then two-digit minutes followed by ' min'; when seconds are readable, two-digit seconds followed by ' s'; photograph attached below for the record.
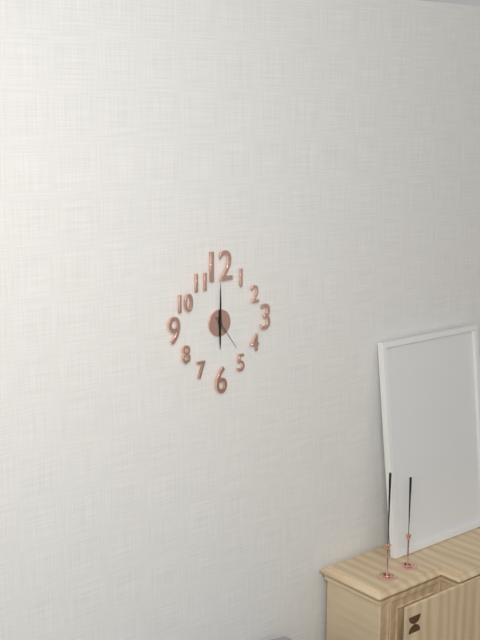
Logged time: 6 h 00 min
